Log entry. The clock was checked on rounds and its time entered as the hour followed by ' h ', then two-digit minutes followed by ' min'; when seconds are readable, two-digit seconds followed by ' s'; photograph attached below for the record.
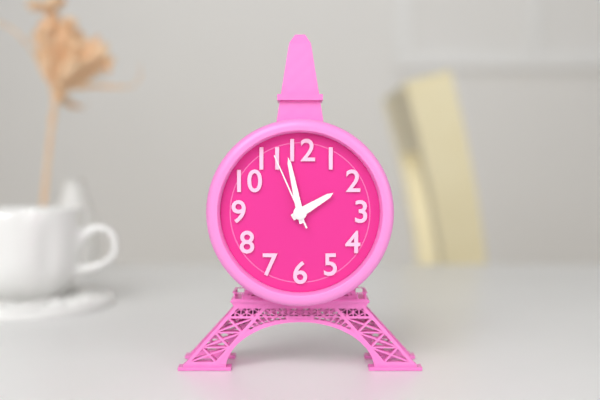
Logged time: 1 h 58 min 56 s
